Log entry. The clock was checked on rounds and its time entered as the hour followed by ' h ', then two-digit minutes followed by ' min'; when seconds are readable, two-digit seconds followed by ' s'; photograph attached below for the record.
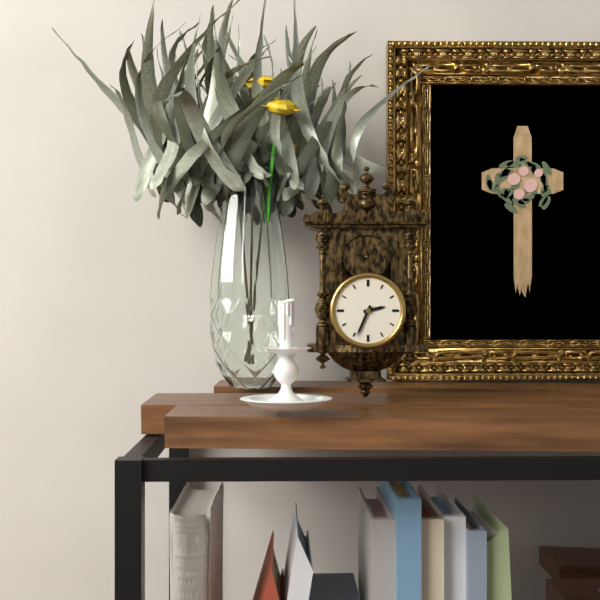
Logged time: 2 h 34 min
